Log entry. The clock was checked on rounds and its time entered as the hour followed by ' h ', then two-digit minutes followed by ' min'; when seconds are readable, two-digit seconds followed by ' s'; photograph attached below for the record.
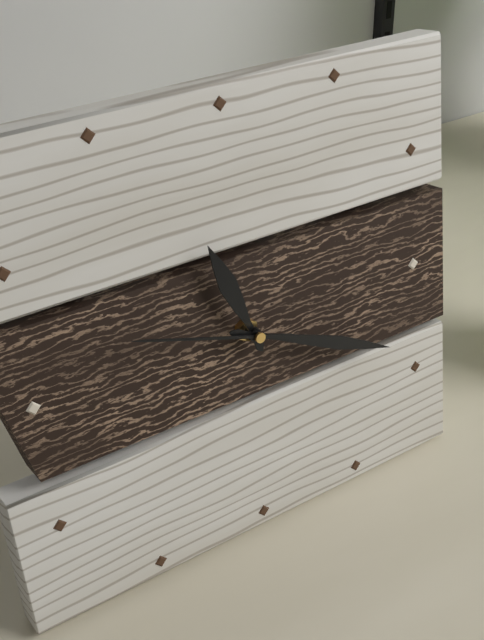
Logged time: 11 h 19 min 48 s
